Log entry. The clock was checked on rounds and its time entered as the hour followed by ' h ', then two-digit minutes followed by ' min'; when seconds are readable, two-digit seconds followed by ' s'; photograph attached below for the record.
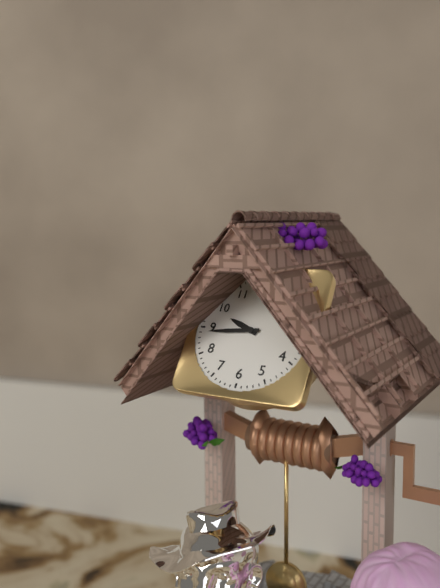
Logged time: 9 h 44 min
